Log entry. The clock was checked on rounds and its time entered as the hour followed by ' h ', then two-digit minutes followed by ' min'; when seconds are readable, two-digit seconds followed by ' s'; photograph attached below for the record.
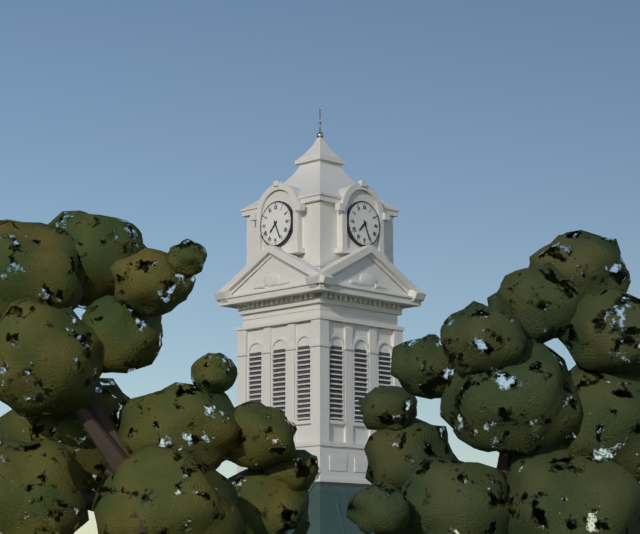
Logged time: 7 h 26 min
